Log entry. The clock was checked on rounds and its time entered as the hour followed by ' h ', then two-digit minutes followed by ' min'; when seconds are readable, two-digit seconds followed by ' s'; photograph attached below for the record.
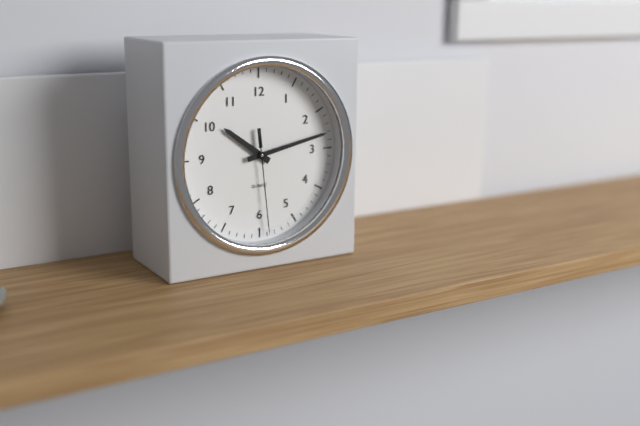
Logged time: 10 h 13 min 29 s
